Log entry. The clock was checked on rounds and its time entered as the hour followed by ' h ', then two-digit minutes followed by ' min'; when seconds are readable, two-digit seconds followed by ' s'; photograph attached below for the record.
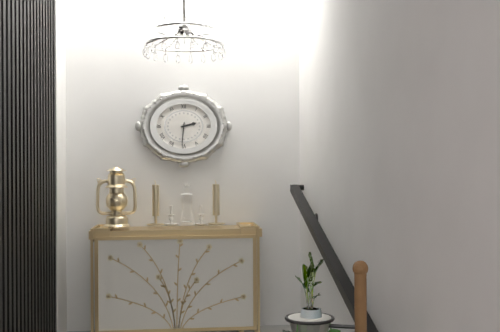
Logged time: 2 h 31 min
